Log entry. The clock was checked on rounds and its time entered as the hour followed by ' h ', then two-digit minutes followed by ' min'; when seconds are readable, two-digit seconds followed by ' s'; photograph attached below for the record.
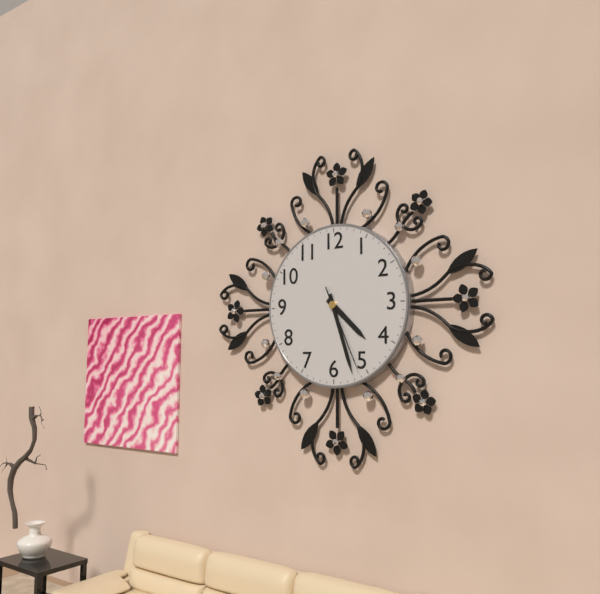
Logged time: 4 h 27 min 26 s
